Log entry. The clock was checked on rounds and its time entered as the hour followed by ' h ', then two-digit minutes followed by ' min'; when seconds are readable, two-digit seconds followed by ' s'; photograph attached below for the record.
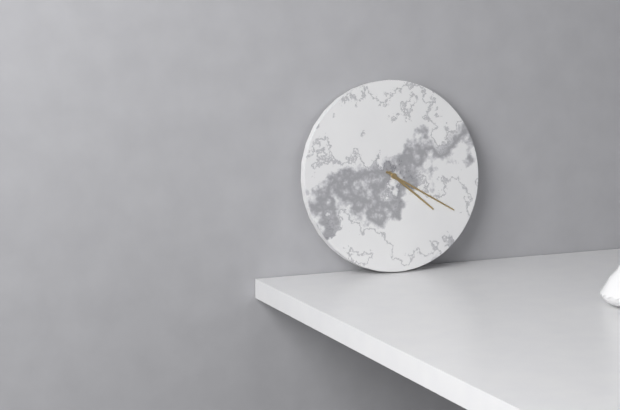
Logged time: 4 h 20 min
